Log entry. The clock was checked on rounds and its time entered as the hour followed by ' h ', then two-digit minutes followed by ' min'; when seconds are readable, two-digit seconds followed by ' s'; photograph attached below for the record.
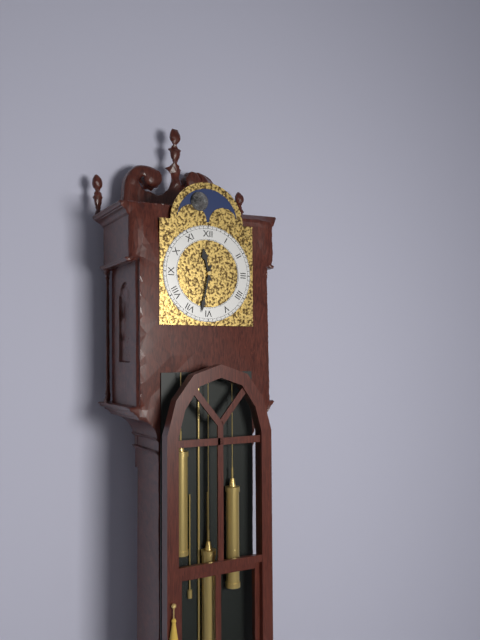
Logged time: 11 h 32 min
